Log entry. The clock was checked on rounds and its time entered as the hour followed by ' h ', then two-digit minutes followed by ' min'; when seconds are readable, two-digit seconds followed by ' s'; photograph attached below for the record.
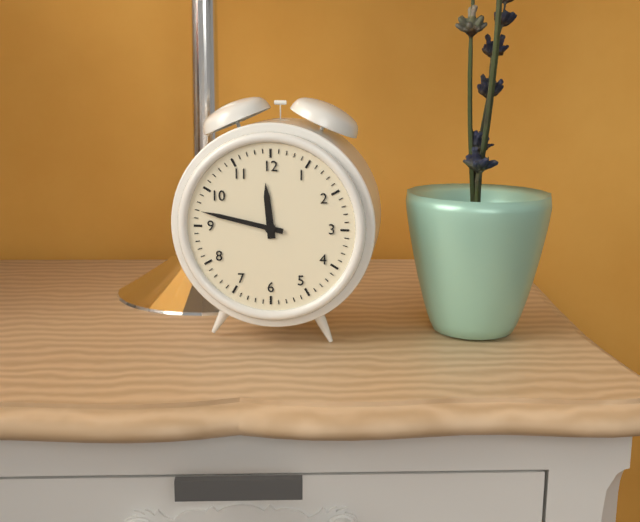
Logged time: 11 h 47 min
